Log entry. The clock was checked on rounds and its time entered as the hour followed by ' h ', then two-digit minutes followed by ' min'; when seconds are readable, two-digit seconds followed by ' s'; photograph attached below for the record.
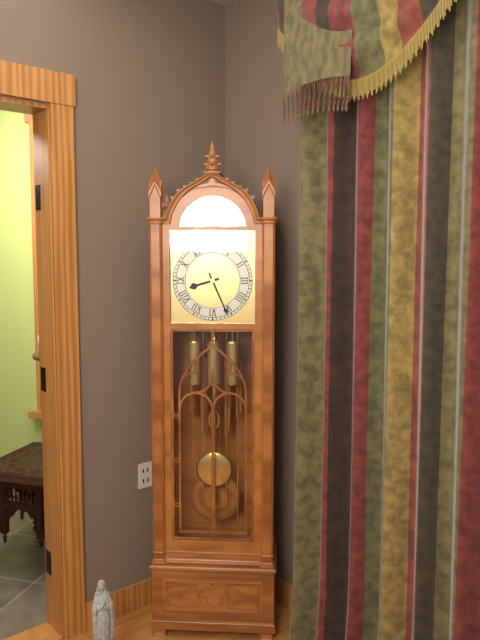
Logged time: 8 h 26 min
